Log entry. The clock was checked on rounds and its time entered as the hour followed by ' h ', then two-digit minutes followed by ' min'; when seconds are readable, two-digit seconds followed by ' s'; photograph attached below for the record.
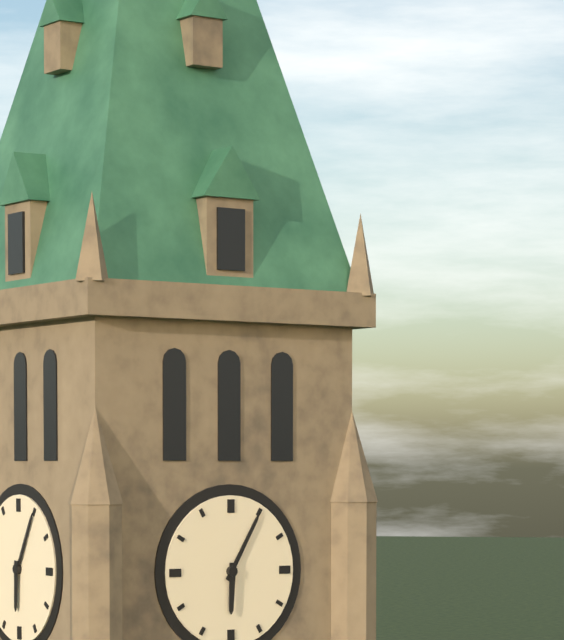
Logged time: 6 h 05 min
